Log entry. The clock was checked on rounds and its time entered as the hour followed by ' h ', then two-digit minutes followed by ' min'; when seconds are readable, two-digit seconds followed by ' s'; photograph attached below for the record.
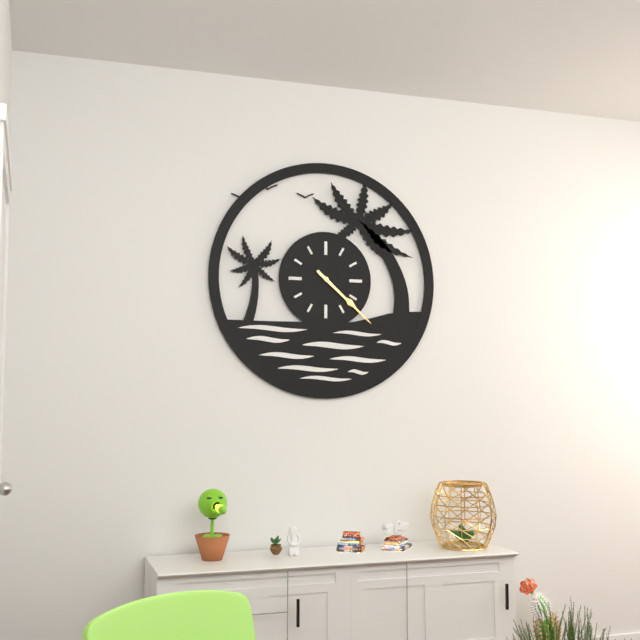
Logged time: 4 h 22 min
